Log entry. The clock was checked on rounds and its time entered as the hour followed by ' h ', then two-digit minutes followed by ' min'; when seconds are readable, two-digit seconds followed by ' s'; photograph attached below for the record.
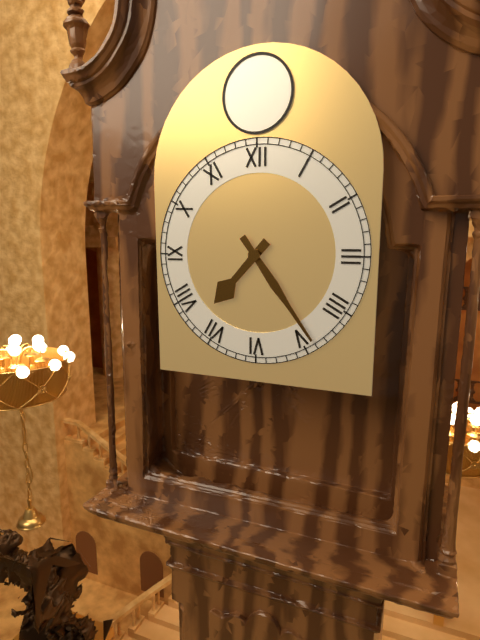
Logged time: 7 h 24 min
